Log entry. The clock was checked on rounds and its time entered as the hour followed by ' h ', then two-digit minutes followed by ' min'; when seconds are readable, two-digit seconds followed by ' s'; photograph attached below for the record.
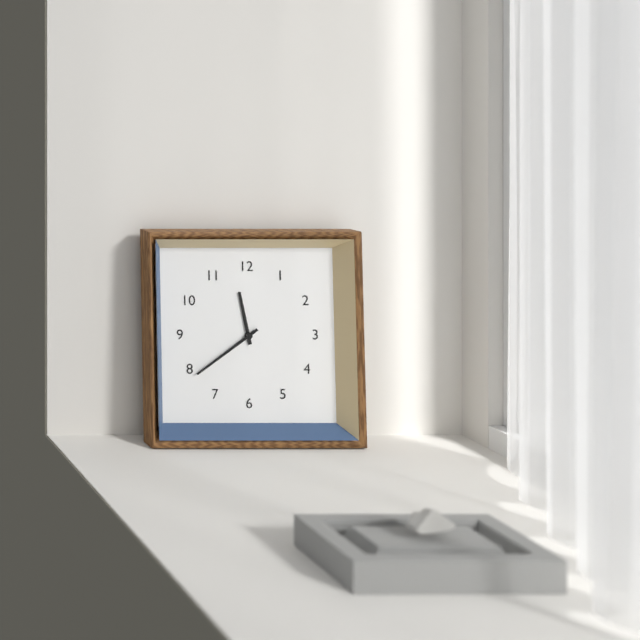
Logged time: 11 h 39 min
